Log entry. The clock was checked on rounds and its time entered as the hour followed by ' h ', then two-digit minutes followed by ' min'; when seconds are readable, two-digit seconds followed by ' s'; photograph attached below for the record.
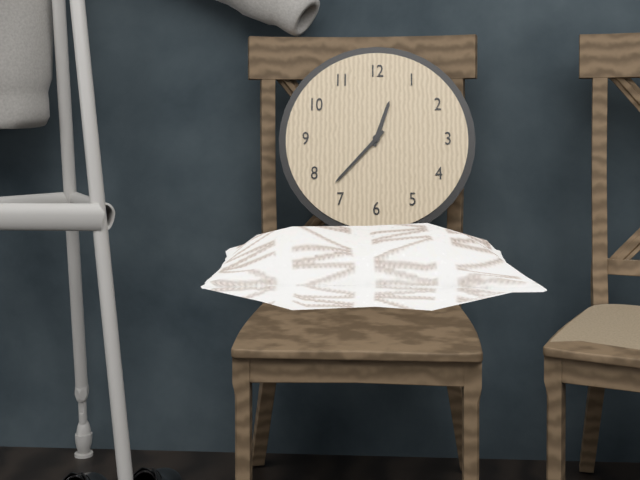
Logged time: 12 h 37 min
